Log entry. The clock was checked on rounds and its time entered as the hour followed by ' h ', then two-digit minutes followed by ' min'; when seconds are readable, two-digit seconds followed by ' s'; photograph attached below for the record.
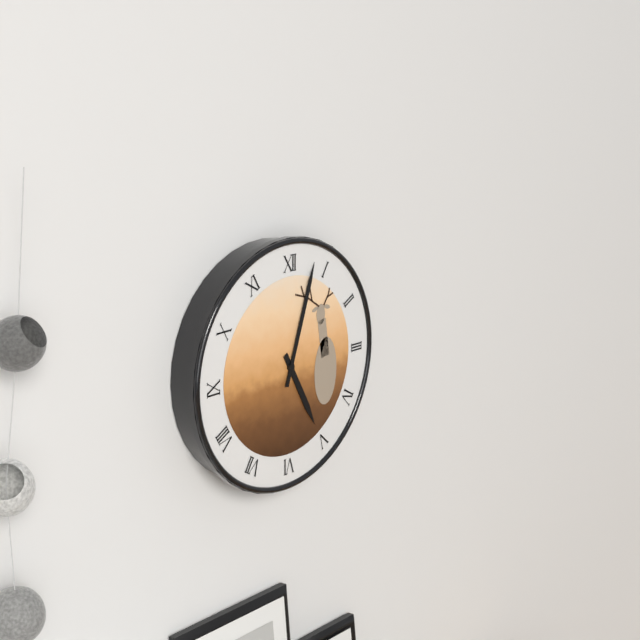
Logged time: 5 h 03 min
